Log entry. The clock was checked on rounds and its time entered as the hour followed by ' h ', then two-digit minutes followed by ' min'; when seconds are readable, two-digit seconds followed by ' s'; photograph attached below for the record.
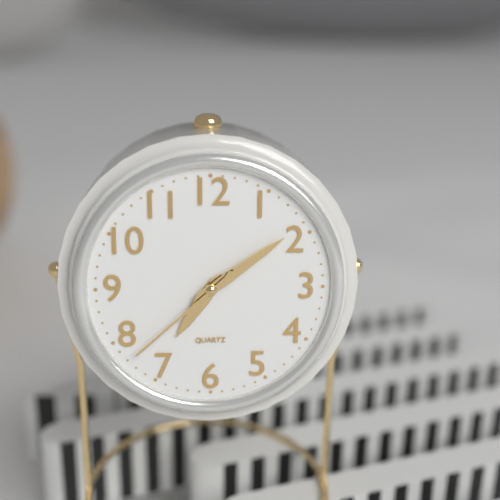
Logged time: 7 h 09 min 38 s
